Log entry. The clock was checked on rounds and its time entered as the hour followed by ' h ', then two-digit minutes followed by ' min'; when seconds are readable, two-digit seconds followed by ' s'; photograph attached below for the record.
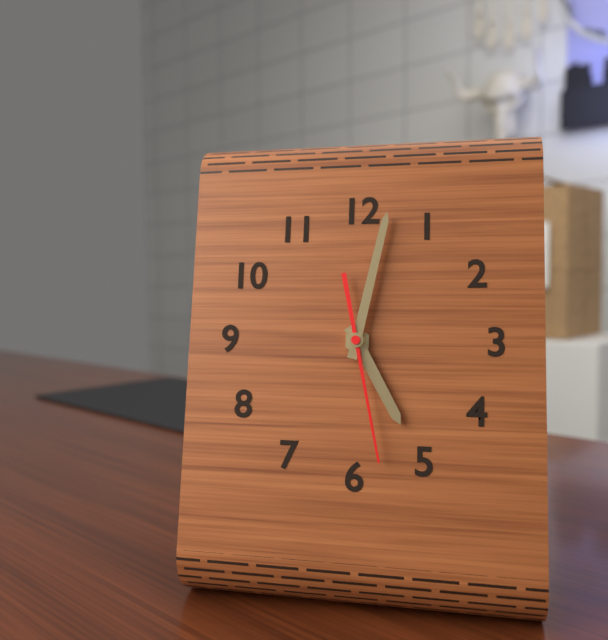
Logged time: 5 h 02 min 28 s
